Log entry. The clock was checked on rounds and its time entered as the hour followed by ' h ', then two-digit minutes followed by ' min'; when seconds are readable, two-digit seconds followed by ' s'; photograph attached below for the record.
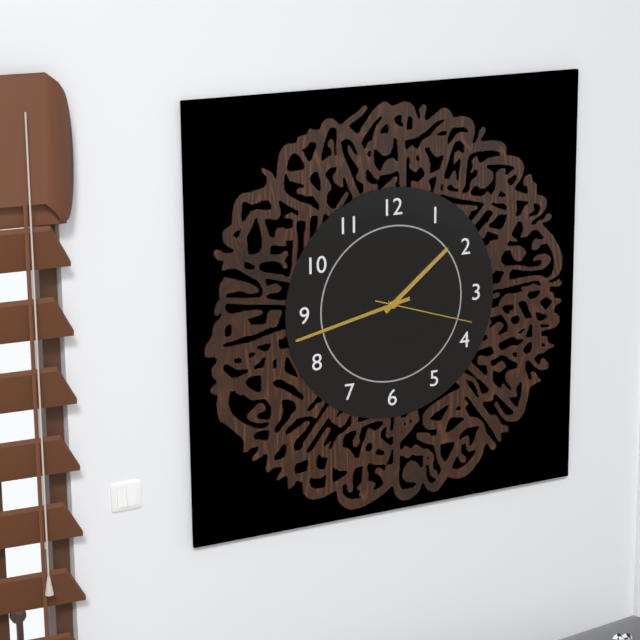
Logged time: 1 h 43 min 18 s
